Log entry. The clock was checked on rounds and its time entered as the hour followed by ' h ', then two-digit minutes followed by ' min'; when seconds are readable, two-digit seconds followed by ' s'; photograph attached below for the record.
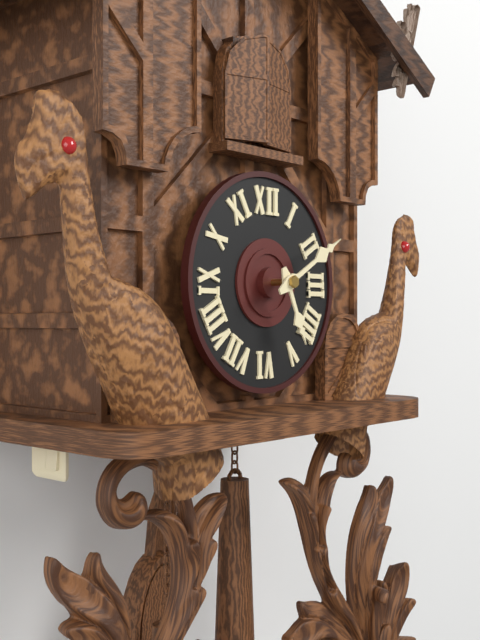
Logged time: 5 h 10 min
